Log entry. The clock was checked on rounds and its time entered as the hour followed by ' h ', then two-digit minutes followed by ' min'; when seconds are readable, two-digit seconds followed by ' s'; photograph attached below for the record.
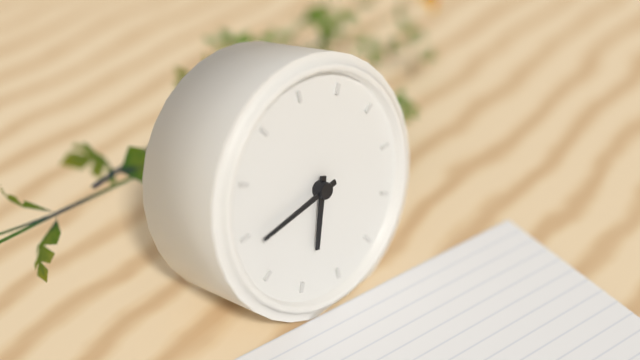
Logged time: 6 h 44 min
